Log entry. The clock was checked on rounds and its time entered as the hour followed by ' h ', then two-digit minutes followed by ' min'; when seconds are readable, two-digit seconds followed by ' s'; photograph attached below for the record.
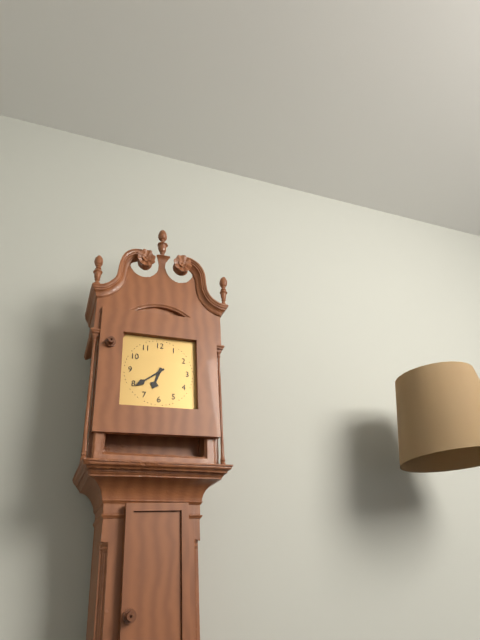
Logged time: 6 h 39 min
